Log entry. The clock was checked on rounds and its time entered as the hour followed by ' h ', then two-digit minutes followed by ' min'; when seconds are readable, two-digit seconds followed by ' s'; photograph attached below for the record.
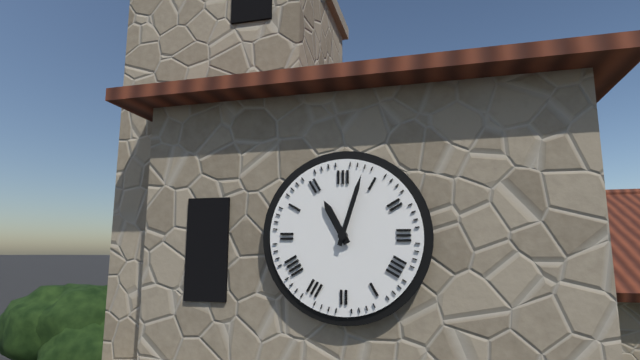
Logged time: 11 h 03 min
